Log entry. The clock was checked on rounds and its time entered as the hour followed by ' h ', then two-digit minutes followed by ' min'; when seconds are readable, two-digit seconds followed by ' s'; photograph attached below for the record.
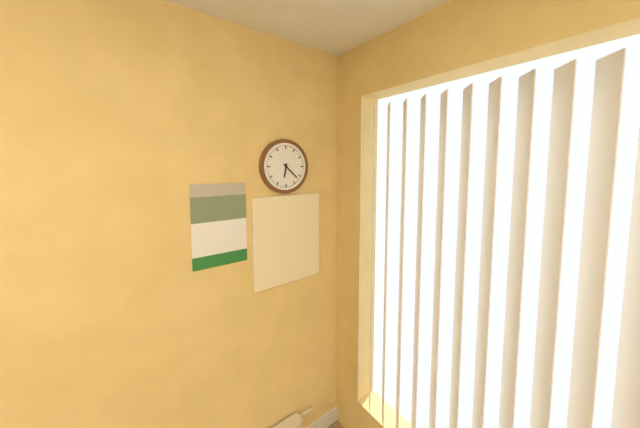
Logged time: 6 h 22 min
